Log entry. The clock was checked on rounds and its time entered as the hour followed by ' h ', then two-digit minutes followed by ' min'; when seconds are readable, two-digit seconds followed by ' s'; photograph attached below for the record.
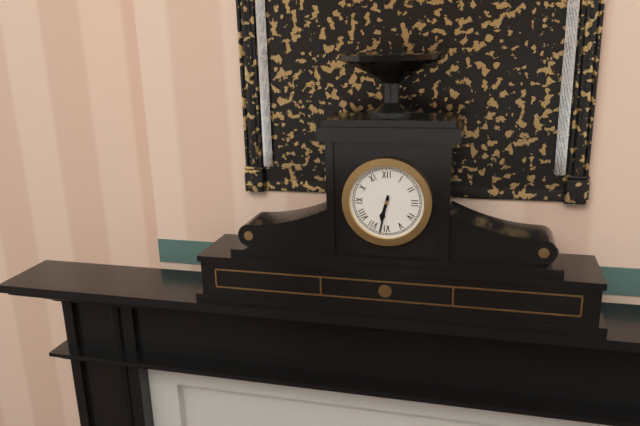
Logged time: 6 h 32 min
